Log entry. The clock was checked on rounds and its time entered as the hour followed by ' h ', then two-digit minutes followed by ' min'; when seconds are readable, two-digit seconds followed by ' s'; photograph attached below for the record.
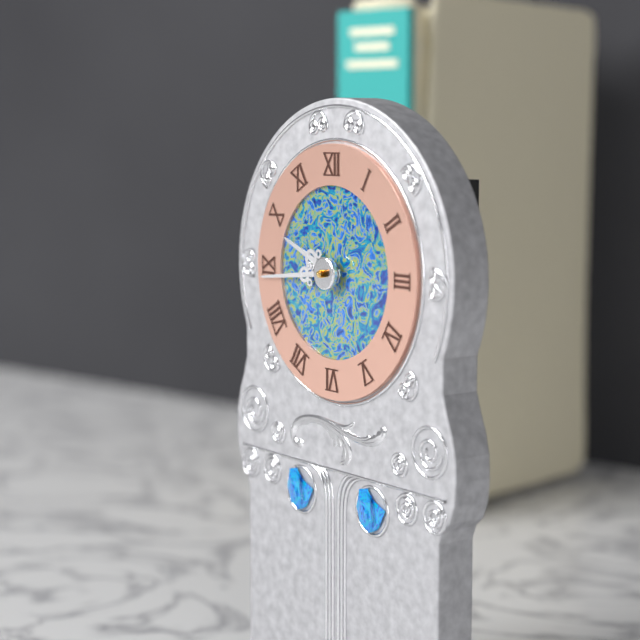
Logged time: 9 h 44 min
